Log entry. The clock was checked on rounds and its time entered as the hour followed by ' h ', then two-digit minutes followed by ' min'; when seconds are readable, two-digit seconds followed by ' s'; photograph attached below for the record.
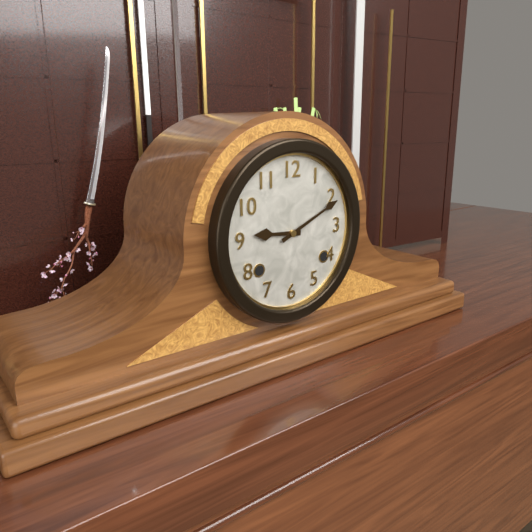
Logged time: 9 h 11 min
